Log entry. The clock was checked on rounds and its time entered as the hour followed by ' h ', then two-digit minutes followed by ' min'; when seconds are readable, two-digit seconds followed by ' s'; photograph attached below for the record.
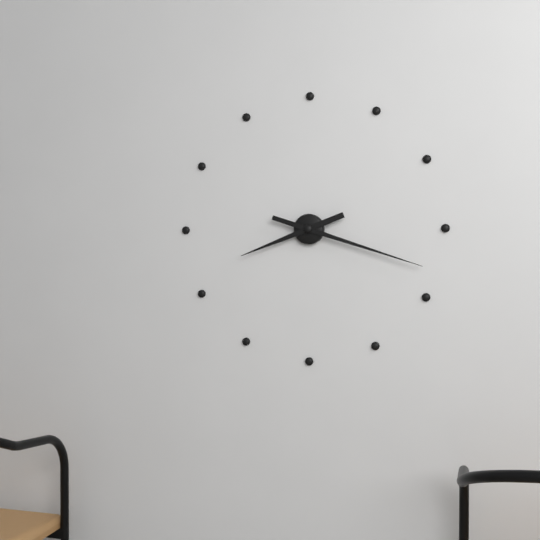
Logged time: 8 h 18 min
